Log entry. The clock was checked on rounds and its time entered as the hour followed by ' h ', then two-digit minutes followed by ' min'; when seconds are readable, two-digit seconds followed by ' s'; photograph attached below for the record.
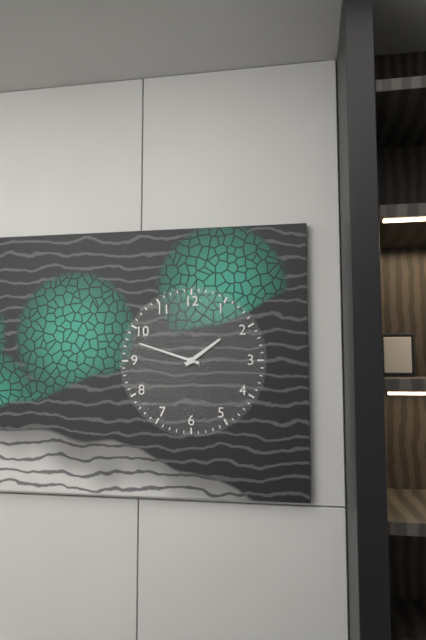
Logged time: 1 h 48 min
